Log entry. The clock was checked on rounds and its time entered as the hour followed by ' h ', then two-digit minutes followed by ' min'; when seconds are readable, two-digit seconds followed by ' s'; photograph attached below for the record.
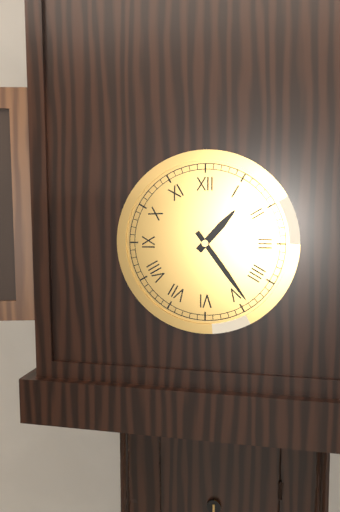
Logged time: 1 h 24 min
